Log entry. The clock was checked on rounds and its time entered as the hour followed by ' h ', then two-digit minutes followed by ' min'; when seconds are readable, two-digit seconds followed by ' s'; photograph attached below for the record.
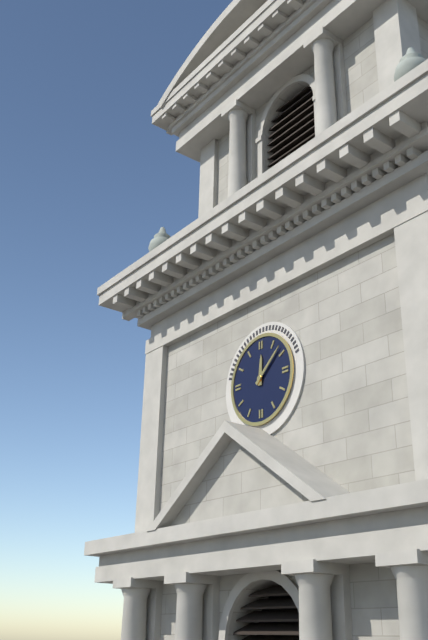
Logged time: 12 h 08 min
